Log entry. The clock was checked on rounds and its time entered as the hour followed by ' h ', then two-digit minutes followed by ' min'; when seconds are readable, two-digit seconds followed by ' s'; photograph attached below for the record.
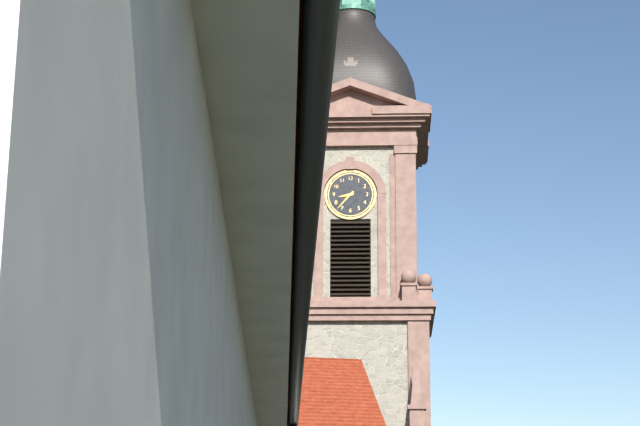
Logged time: 8 h 37 min
